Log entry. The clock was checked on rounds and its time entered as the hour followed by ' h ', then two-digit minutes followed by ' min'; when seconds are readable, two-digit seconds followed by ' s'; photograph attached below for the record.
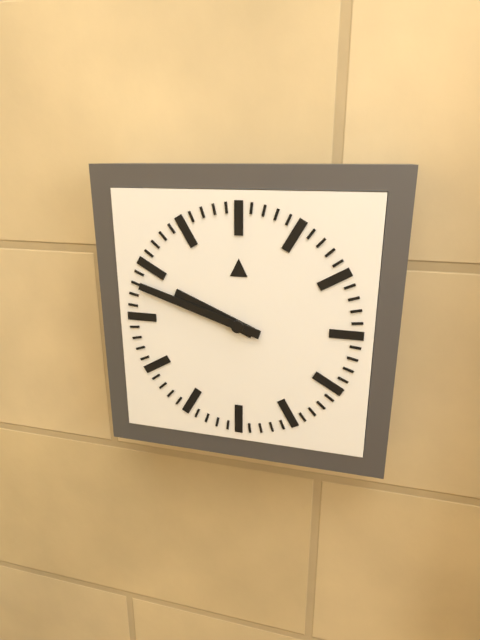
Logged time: 9 h 48 min
